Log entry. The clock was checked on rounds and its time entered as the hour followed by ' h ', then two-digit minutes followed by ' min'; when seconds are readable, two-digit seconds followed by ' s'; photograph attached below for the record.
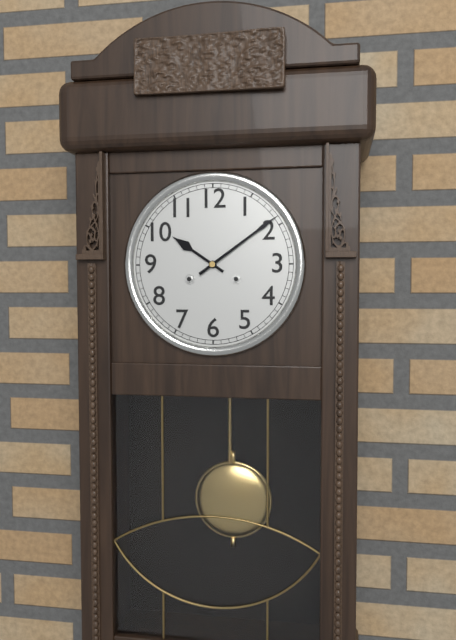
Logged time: 10 h 09 min
